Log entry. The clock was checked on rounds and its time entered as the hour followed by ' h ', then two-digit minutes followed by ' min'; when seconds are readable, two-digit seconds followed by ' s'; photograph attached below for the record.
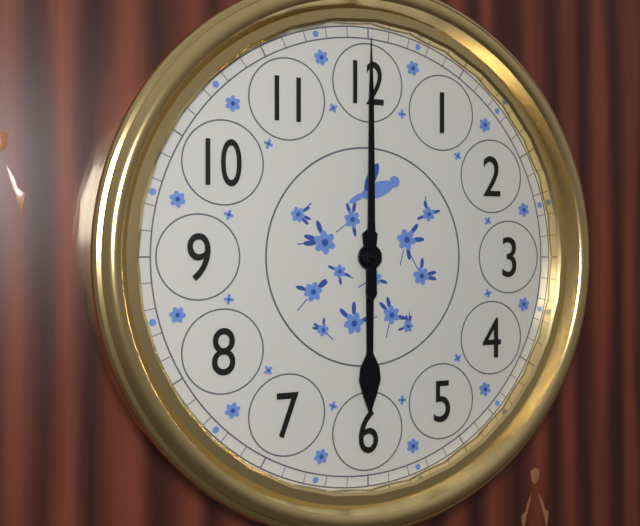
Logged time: 6 h 00 min
